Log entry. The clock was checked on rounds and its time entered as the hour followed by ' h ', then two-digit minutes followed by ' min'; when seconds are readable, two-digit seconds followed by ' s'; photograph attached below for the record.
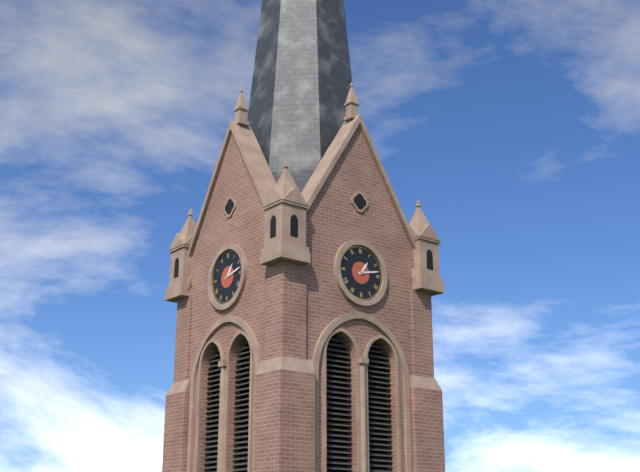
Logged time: 1 h 13 min
